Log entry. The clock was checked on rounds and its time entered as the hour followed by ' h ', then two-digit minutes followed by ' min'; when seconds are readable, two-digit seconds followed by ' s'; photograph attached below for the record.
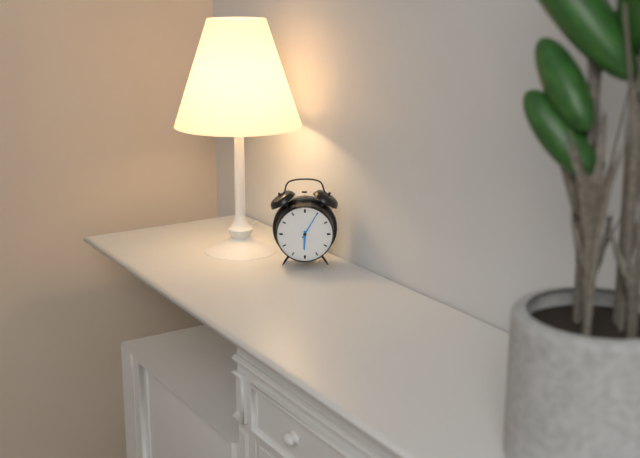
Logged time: 6 h 05 min
